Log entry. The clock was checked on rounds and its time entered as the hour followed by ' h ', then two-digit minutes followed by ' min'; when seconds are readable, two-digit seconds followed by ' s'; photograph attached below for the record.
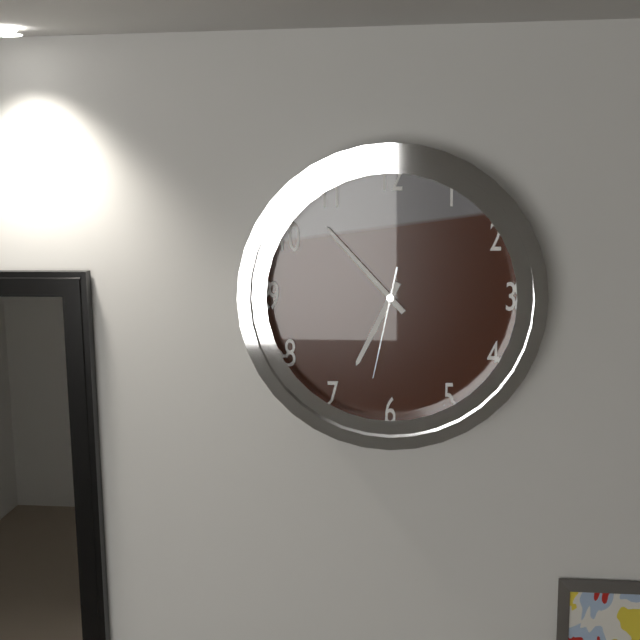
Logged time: 6 h 53 min 32 s
